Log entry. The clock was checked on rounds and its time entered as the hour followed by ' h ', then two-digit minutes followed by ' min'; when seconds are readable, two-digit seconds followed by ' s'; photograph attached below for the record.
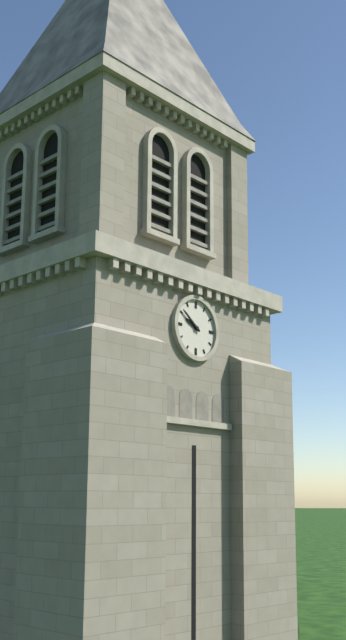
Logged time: 9 h 51 min
